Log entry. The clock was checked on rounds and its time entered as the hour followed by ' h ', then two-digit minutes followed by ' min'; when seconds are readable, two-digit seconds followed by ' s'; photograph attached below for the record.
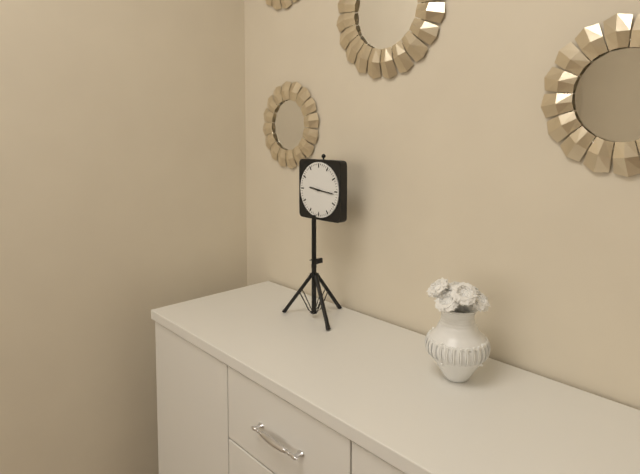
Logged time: 9 h 16 min
